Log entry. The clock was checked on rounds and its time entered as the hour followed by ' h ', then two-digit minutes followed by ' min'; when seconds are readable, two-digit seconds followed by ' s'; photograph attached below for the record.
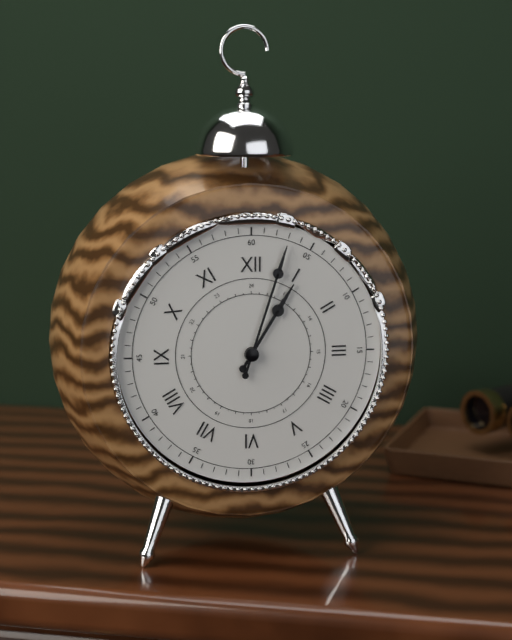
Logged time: 1 h 03 min
